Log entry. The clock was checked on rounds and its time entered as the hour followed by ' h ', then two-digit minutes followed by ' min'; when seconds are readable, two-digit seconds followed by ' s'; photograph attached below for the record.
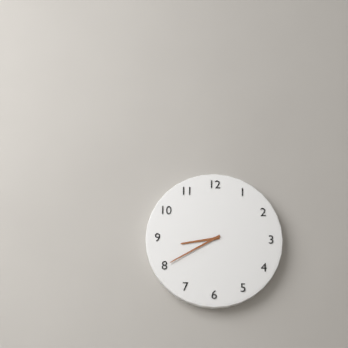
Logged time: 8 h 40 min
